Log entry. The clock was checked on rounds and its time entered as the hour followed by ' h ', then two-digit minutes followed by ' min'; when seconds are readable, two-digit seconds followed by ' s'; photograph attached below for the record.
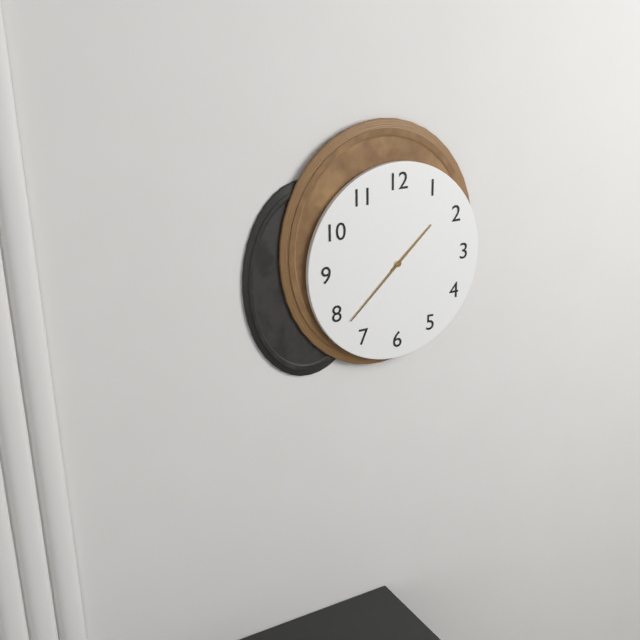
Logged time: 1 h 38 min
